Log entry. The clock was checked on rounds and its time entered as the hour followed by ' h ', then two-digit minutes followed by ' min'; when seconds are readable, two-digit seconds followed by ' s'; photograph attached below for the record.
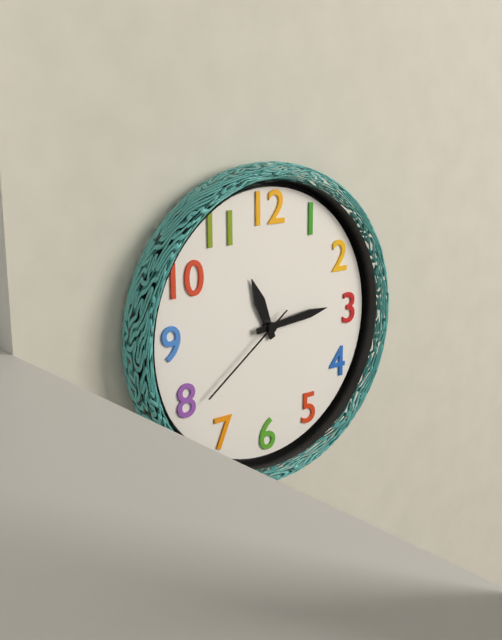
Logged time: 11 h 14 min 39 s
